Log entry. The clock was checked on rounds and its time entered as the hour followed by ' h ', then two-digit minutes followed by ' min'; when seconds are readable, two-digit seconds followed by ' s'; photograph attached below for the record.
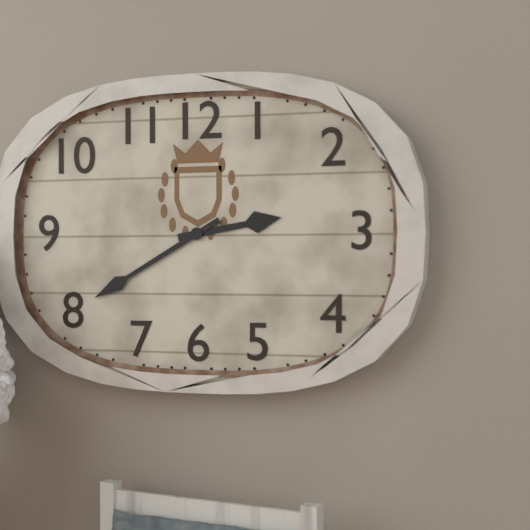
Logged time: 2 h 40 min
